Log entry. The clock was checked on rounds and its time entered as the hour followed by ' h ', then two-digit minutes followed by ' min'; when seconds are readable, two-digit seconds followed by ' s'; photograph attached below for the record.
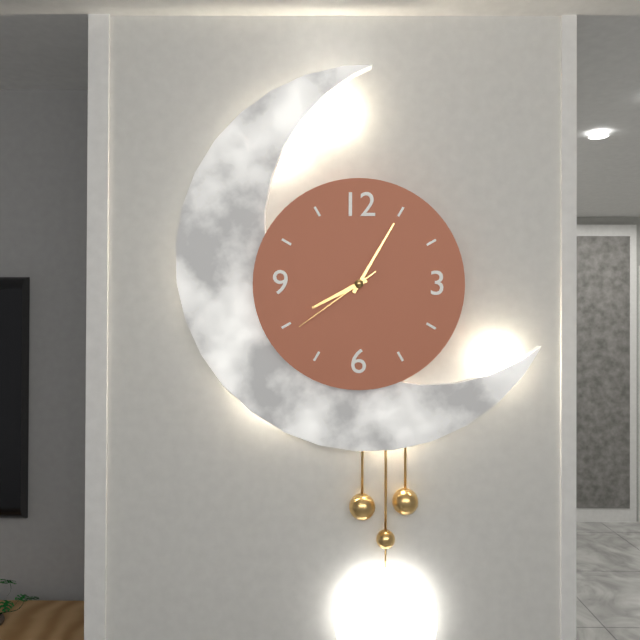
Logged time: 8 h 05 min 39 s
